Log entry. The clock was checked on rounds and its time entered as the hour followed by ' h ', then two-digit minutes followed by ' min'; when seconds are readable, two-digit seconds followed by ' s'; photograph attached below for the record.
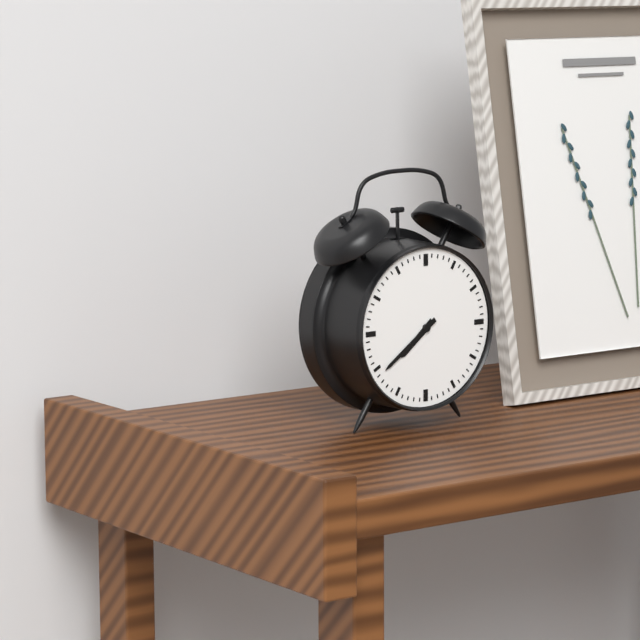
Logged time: 7 h 39 min
